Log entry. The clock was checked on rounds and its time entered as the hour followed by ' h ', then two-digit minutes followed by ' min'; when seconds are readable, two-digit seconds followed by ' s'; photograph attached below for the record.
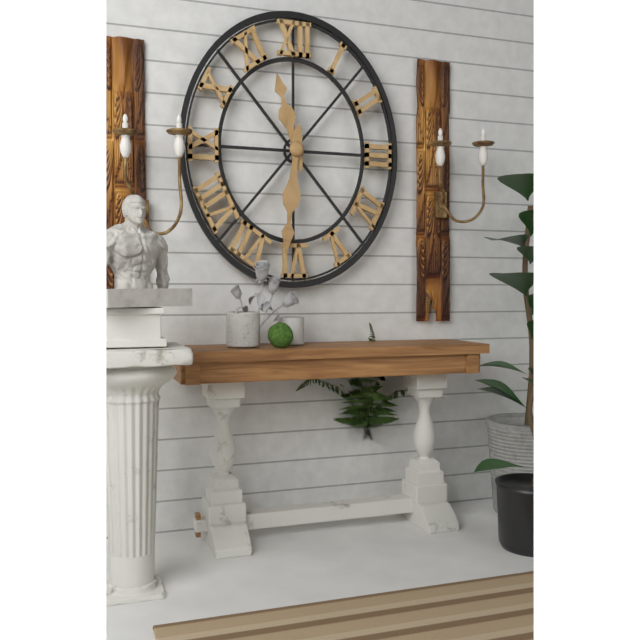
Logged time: 11 h 31 min
